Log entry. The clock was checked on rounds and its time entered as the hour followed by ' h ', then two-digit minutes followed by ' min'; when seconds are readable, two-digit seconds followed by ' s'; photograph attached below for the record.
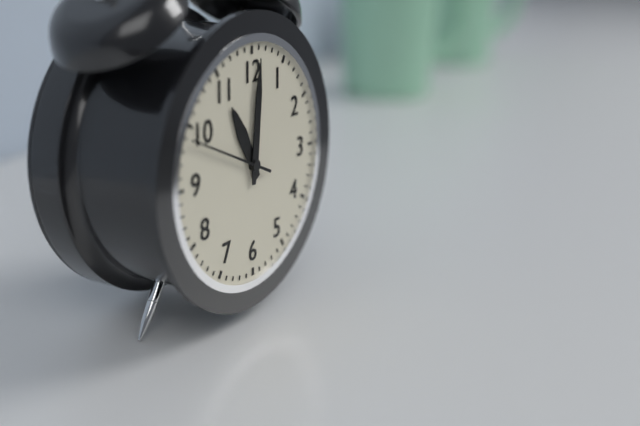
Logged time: 11 h 01 min 49 s
